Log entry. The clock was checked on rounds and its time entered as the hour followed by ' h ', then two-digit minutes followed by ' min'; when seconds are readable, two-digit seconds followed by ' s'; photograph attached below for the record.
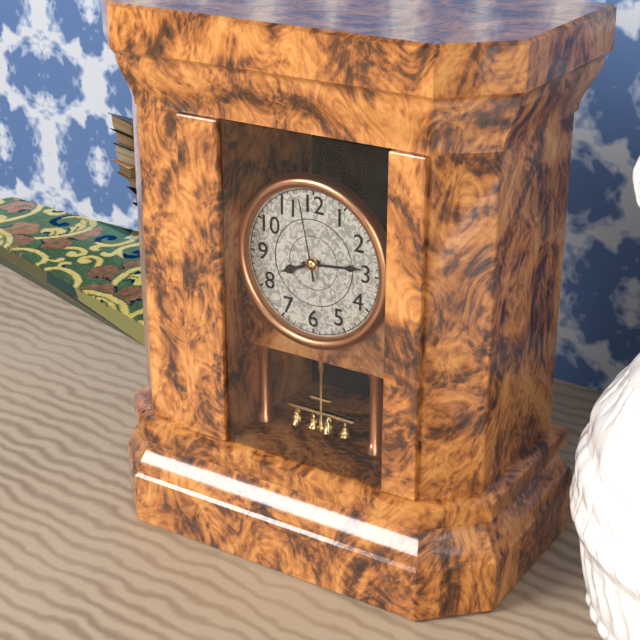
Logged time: 8 h 14 min 58 s
